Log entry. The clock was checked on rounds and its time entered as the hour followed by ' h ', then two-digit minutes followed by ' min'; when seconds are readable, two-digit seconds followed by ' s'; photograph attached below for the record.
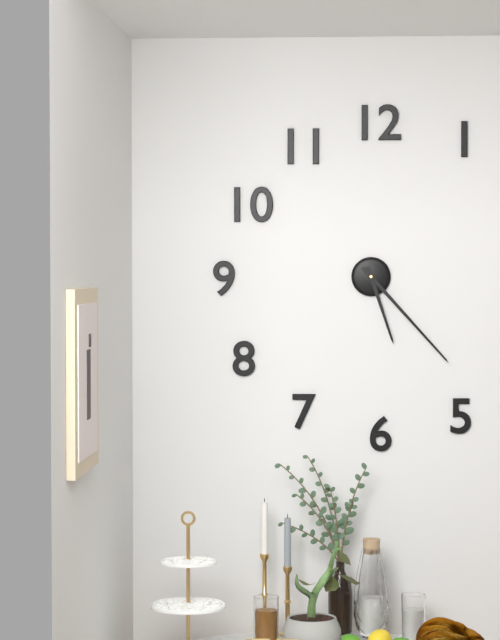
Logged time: 5 h 23 min
